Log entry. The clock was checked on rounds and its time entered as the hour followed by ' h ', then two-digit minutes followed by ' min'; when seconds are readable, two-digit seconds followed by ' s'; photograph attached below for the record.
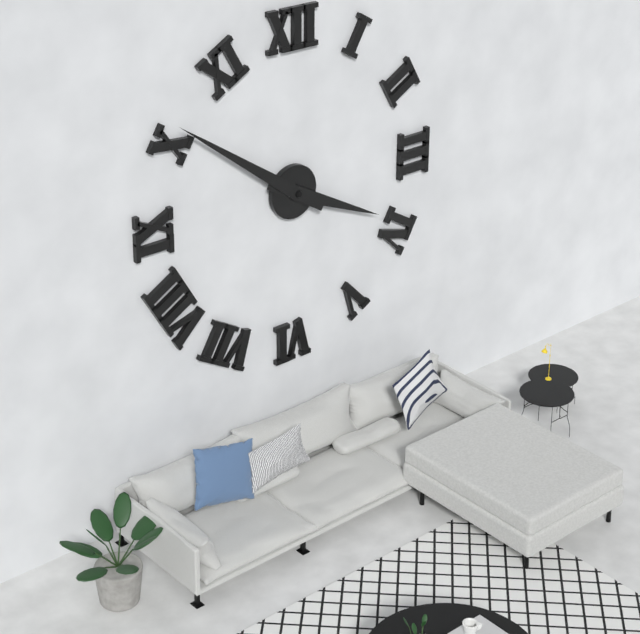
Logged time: 3 h 51 min
